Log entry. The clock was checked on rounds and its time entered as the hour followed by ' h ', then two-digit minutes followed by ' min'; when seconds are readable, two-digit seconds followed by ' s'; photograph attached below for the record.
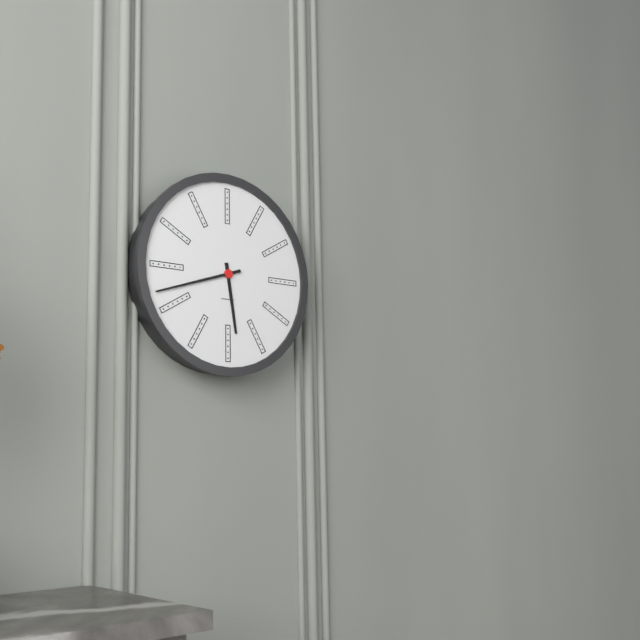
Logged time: 5 h 42 min
